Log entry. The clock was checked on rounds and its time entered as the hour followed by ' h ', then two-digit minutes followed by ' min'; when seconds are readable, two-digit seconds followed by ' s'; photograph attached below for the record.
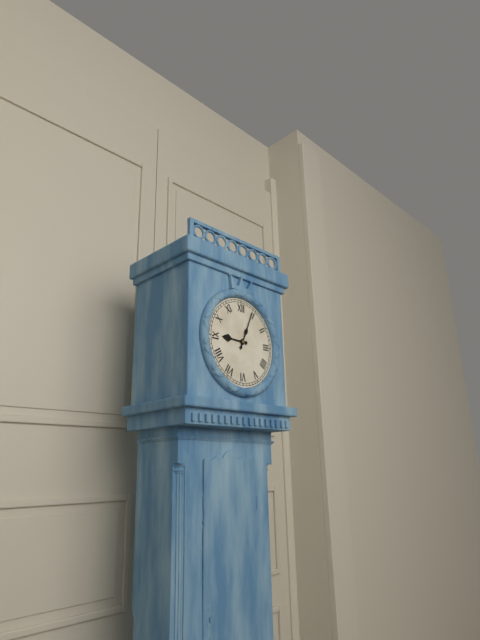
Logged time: 9 h 04 min
